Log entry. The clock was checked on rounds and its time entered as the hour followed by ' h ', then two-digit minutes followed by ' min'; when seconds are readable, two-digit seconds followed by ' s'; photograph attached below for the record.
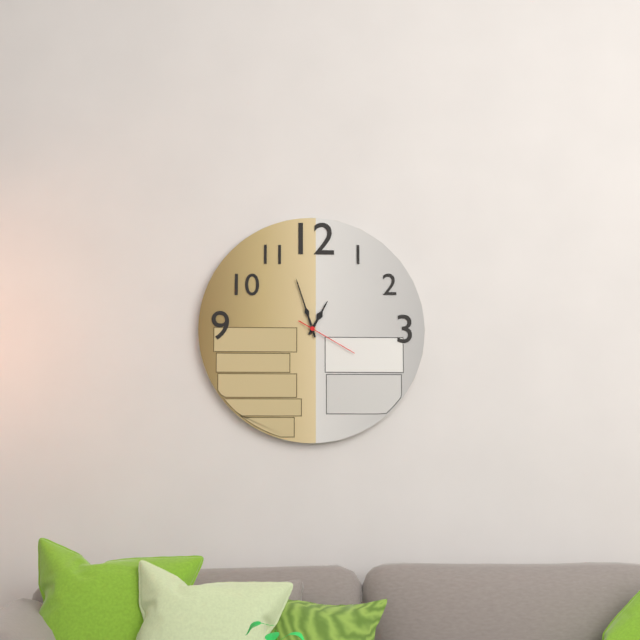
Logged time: 12 h 57 min 20 s
